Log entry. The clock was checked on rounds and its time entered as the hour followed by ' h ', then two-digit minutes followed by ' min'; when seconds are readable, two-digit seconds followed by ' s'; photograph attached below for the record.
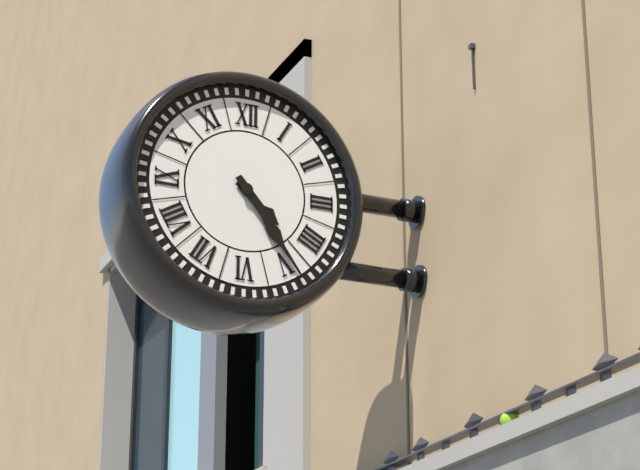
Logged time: 4 h 24 min
